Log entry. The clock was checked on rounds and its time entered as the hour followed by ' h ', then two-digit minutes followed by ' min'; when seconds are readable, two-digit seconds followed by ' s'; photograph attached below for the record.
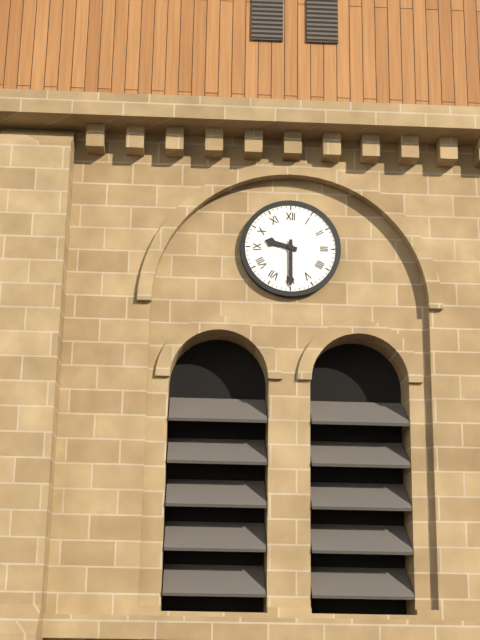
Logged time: 9 h 30 min
